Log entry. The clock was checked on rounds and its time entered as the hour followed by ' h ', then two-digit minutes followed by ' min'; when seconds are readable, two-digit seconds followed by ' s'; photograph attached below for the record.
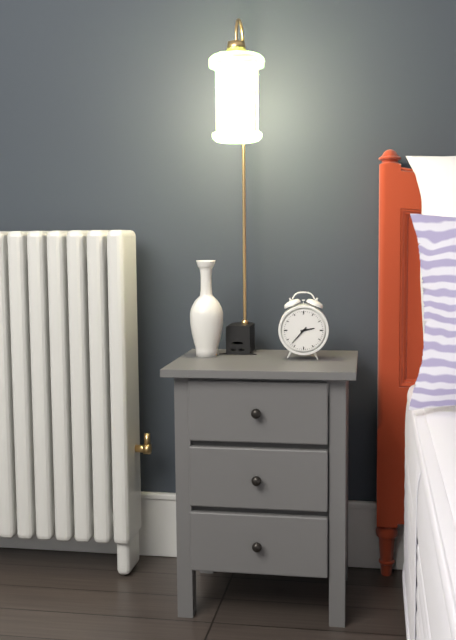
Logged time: 2 h 37 min
